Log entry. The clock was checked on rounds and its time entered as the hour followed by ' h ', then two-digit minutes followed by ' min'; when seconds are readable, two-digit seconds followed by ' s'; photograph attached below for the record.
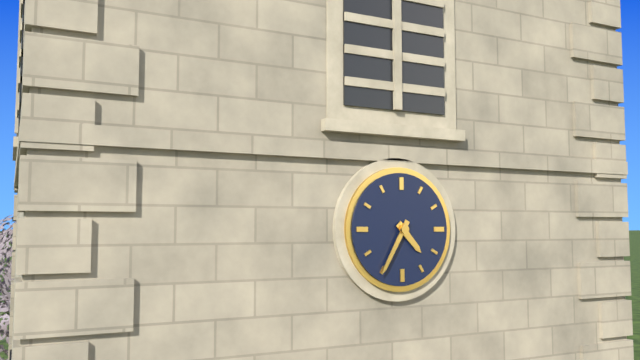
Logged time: 4 h 35 min
